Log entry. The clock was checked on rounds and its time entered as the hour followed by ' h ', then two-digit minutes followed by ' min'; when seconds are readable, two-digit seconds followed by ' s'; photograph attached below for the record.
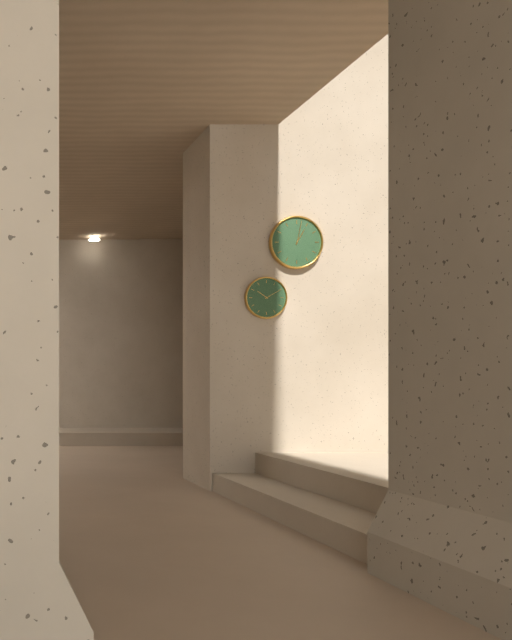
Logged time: 1 h 02 min
